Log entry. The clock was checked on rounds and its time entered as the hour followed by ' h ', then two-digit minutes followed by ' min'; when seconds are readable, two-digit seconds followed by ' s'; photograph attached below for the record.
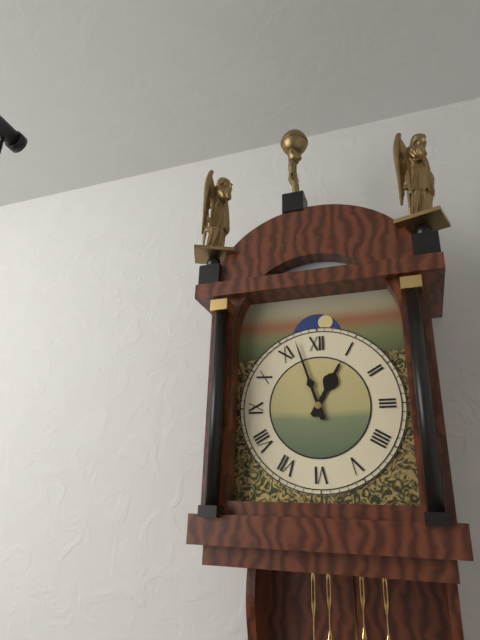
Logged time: 12 h 57 min
